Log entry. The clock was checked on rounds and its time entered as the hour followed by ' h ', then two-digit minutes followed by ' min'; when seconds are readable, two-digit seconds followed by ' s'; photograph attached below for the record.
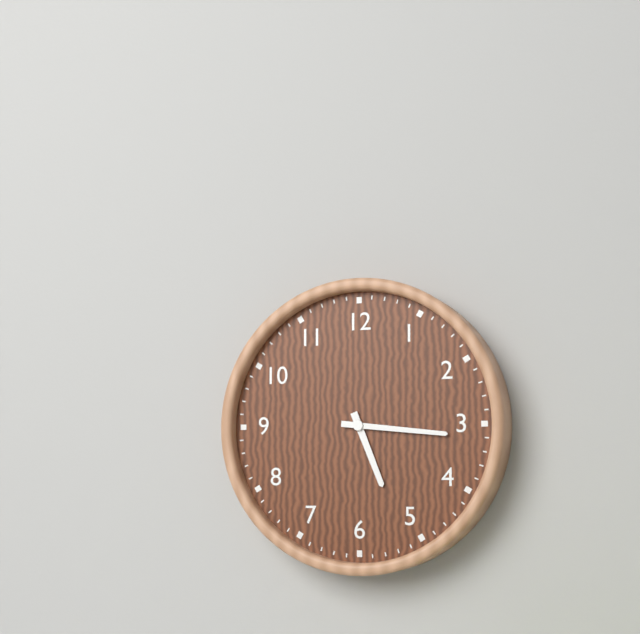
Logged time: 5 h 16 min
